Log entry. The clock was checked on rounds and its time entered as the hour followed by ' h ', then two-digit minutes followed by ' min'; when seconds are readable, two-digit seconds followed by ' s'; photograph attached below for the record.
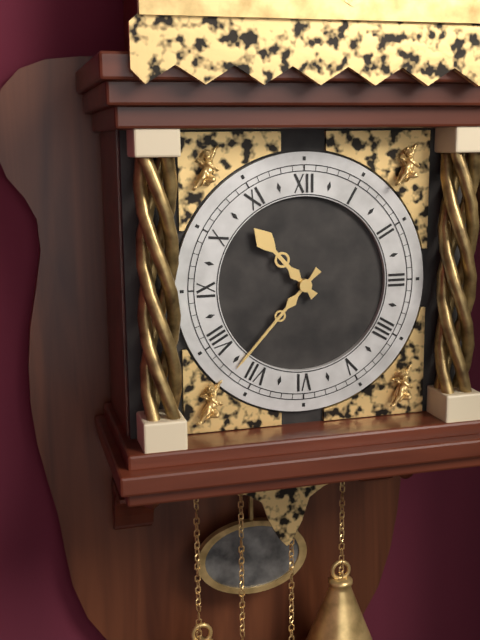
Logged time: 10 h 37 min
